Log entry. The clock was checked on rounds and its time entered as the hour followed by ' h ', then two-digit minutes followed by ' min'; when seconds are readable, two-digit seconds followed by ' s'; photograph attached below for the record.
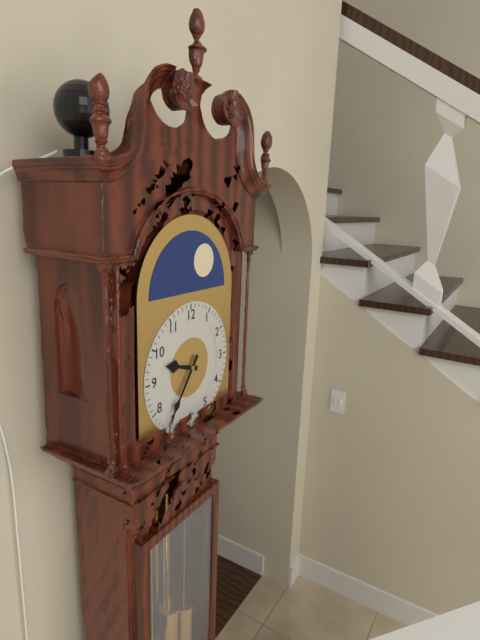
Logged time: 9 h 36 min
